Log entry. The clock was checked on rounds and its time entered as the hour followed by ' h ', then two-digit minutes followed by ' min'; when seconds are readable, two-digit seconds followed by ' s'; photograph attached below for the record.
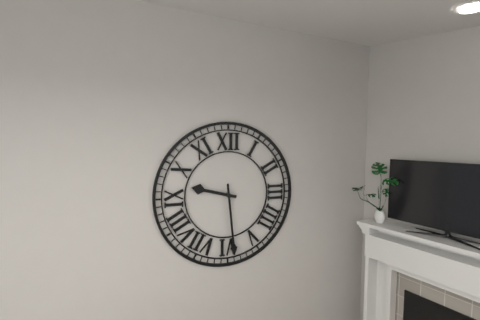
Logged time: 9 h 29 min
